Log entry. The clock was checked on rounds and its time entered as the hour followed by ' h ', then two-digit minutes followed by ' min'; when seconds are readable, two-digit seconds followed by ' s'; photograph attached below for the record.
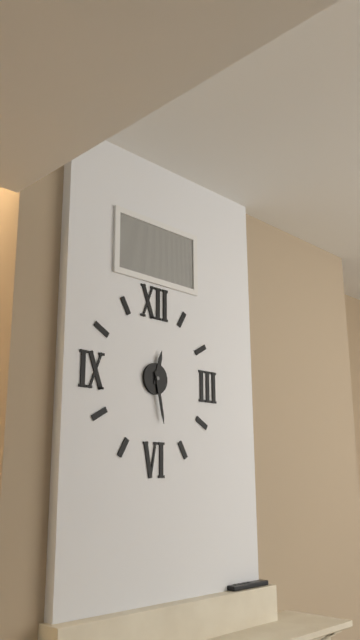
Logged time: 12 h 28 min
